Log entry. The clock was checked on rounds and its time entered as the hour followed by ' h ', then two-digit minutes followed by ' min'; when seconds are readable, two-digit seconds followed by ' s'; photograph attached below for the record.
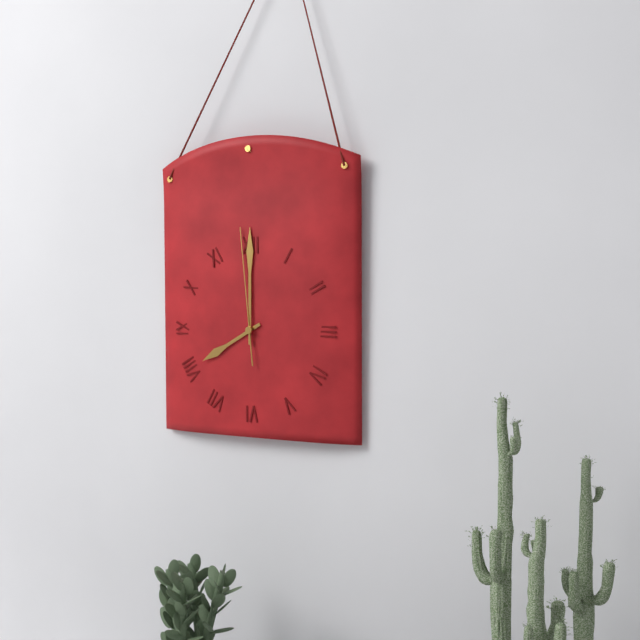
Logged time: 8 h 00 min 59 s
